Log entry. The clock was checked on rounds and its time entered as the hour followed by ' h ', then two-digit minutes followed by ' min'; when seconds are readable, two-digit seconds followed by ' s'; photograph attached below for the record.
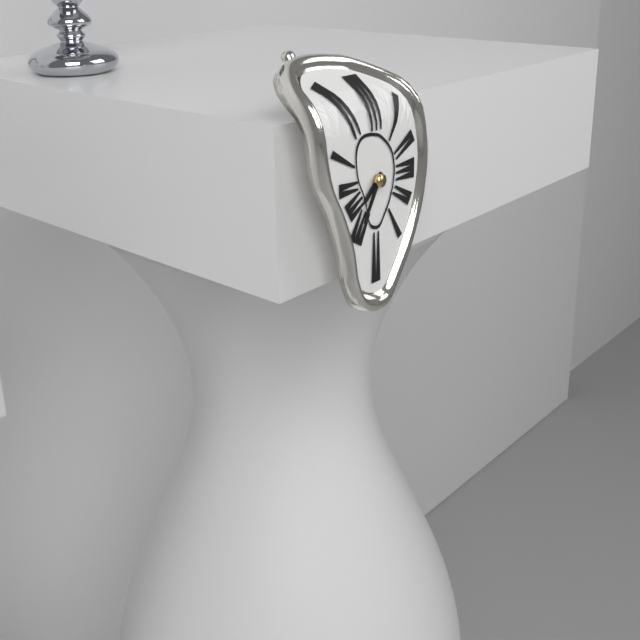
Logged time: 7 h 35 min
